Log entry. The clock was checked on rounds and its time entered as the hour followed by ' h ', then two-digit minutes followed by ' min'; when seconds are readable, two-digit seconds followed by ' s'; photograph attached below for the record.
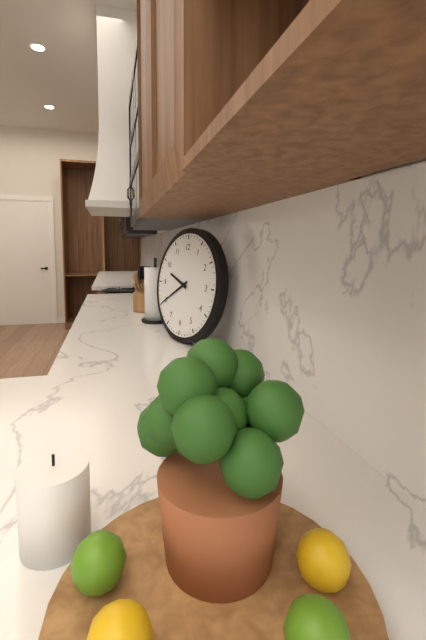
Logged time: 9 h 40 min
